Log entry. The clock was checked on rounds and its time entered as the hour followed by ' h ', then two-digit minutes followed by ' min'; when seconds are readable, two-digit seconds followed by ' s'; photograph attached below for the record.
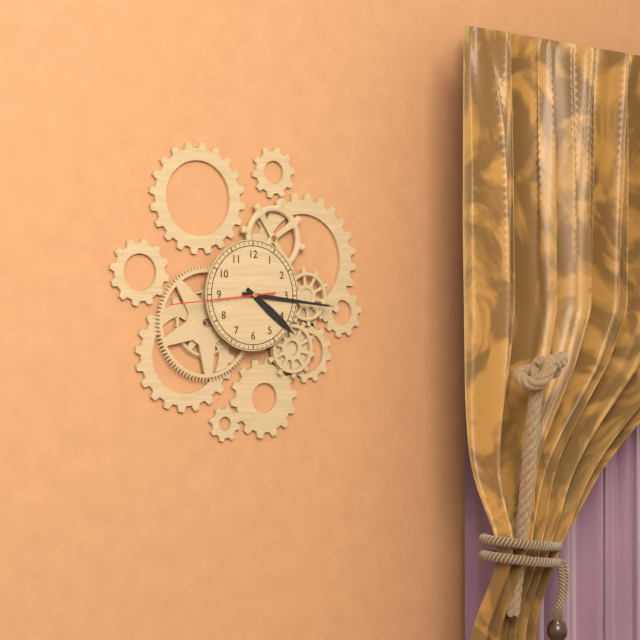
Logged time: 4 h 16 min 44 s
